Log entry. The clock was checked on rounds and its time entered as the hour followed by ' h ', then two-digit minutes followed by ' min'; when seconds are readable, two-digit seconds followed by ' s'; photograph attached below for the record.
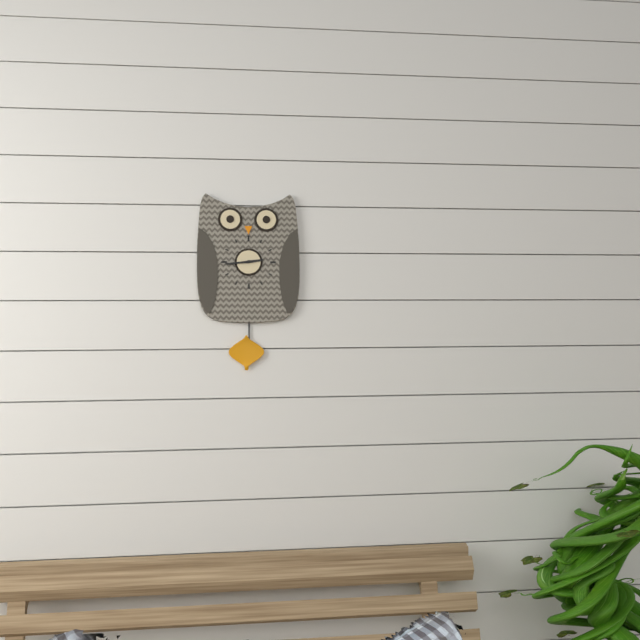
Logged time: 2 h 44 min
